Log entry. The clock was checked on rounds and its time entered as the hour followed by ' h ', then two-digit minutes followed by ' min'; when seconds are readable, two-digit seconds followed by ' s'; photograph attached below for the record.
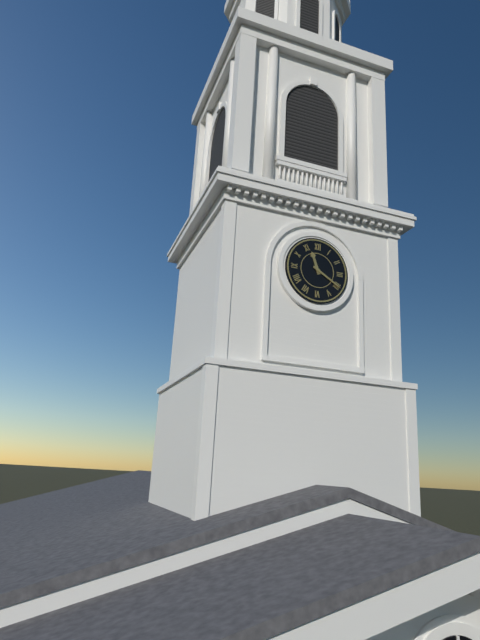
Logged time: 11 h 20 min
